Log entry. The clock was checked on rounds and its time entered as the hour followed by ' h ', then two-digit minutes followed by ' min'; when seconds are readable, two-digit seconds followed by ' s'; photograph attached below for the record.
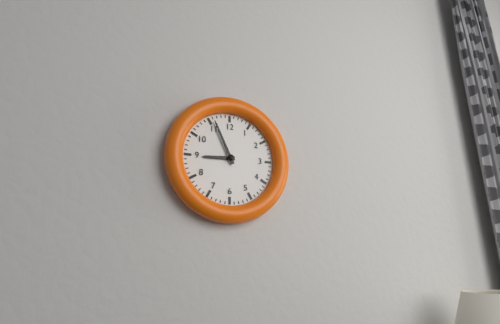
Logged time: 8 h 56 min
